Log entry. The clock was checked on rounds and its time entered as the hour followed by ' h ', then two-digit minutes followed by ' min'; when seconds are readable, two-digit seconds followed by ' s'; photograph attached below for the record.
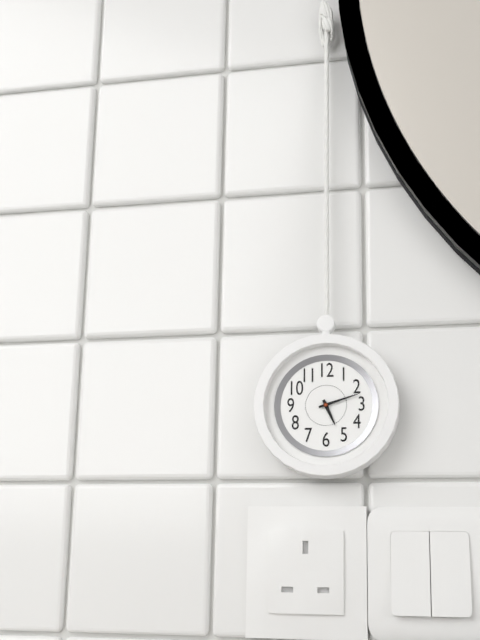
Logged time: 5 h 12 min
